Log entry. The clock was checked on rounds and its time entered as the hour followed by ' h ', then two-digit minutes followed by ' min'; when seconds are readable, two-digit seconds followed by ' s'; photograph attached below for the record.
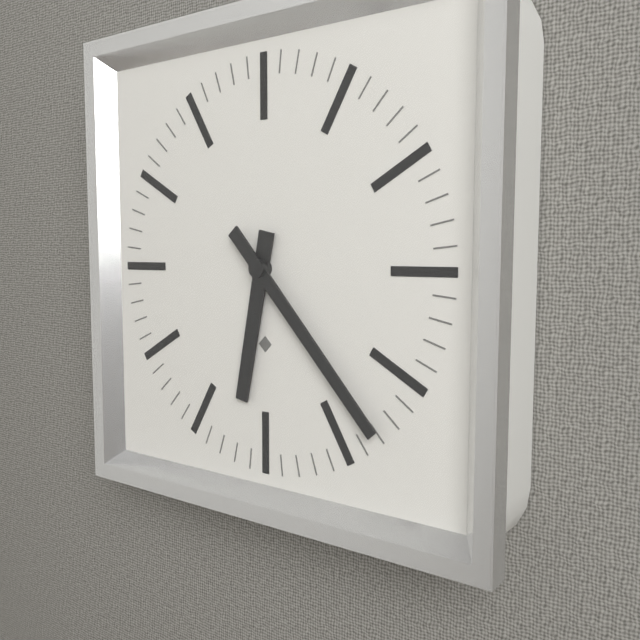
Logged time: 6 h 23 min
